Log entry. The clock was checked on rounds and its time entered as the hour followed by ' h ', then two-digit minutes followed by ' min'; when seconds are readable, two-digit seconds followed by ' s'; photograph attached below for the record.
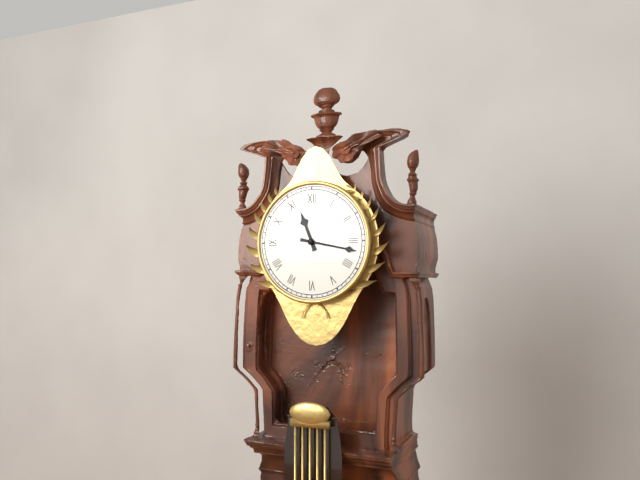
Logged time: 11 h 17 min
